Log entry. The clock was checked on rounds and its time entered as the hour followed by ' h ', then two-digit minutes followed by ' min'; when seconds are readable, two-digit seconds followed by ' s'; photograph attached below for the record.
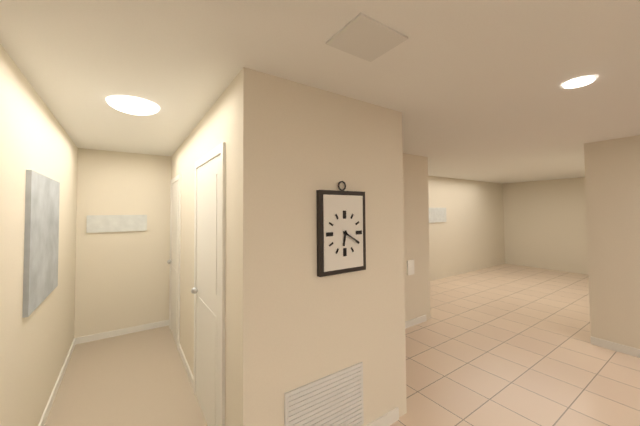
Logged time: 6 h 20 min
